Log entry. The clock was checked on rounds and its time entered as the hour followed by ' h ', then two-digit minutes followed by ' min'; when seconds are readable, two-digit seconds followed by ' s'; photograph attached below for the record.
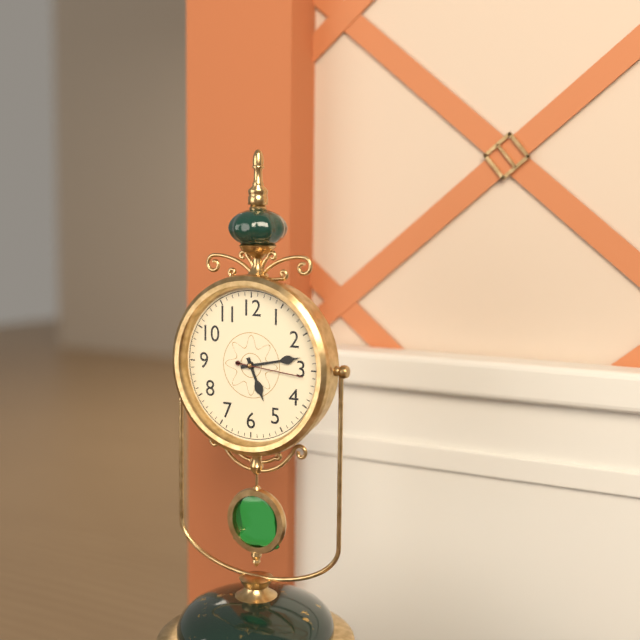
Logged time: 5 h 13 min 16 s
